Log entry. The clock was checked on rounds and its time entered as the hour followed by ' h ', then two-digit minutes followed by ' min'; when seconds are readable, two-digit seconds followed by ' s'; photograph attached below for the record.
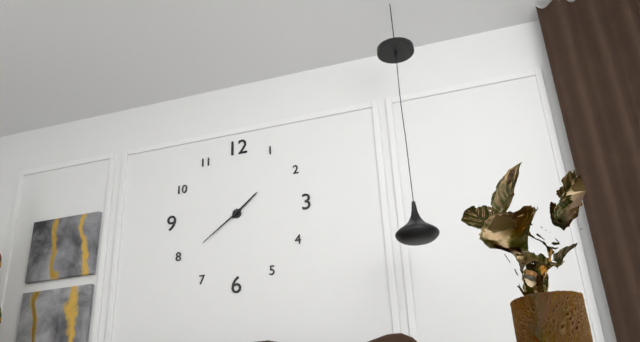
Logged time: 1 h 39 min
